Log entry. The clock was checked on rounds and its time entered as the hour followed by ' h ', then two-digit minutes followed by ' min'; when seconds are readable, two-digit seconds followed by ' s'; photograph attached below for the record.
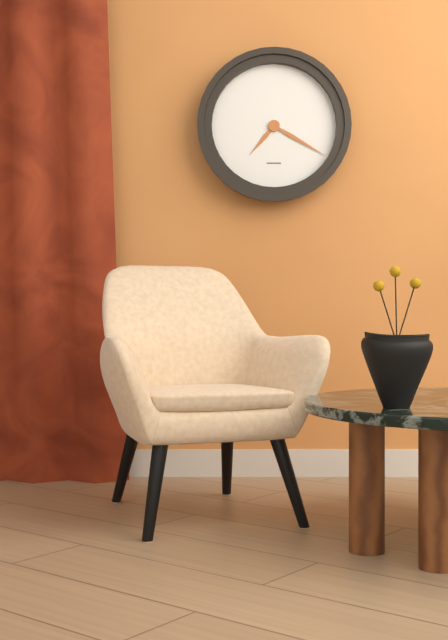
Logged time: 7 h 20 min
